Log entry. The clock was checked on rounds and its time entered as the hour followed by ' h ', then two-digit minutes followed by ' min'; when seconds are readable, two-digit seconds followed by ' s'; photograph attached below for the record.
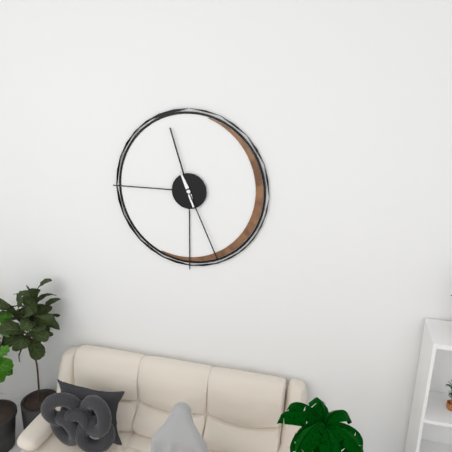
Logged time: 11 h 26 min
